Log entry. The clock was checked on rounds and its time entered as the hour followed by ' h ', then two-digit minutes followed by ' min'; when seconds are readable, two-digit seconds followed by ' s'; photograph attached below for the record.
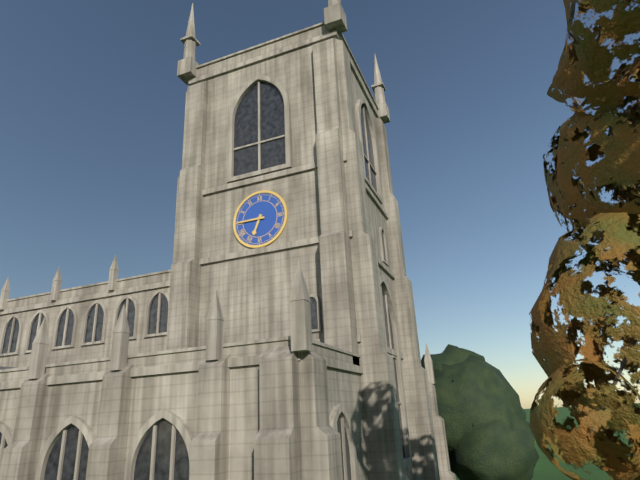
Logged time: 6 h 45 min
